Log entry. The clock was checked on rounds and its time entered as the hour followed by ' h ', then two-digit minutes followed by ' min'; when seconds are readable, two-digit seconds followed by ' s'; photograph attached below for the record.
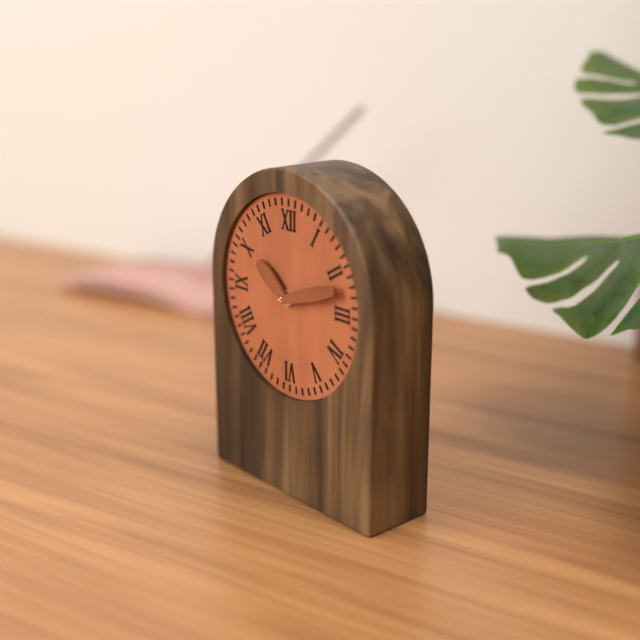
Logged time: 10 h 12 min
